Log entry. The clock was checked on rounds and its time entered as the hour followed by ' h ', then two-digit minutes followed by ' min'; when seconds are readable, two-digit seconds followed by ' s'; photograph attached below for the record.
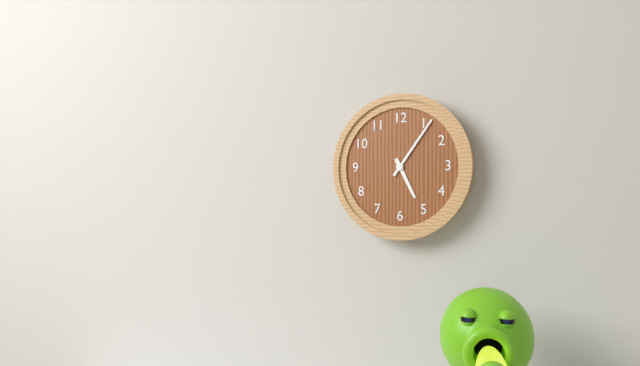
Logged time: 5 h 06 min
